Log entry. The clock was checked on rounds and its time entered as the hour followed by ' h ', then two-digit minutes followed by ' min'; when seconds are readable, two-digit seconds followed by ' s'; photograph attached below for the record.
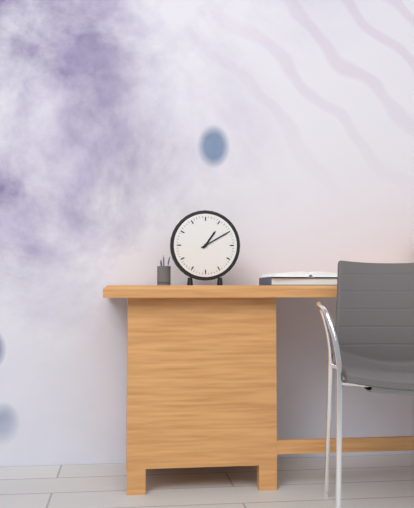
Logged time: 1 h 10 min
